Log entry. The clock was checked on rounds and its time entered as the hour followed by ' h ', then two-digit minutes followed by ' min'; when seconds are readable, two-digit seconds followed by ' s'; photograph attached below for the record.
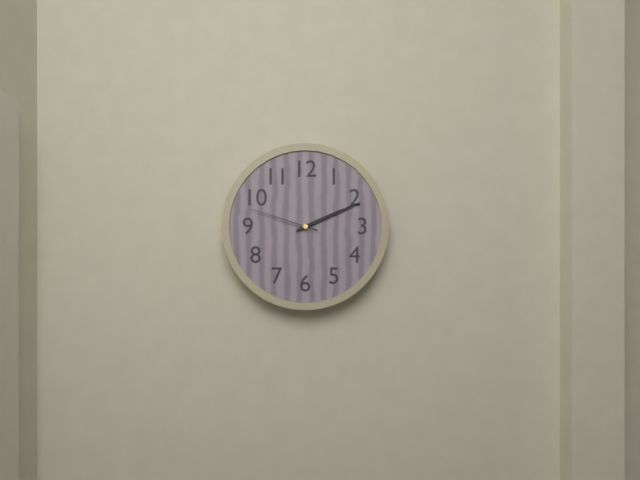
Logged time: 2 h 11 min 48 s
